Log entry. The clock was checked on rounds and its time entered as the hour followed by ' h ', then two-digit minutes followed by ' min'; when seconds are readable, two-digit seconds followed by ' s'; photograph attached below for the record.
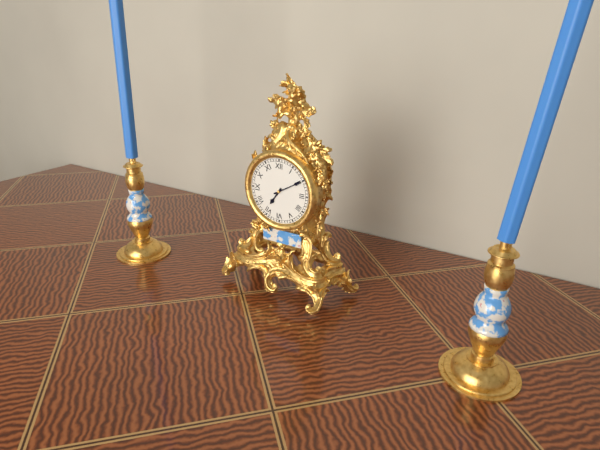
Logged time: 7 h 10 min
